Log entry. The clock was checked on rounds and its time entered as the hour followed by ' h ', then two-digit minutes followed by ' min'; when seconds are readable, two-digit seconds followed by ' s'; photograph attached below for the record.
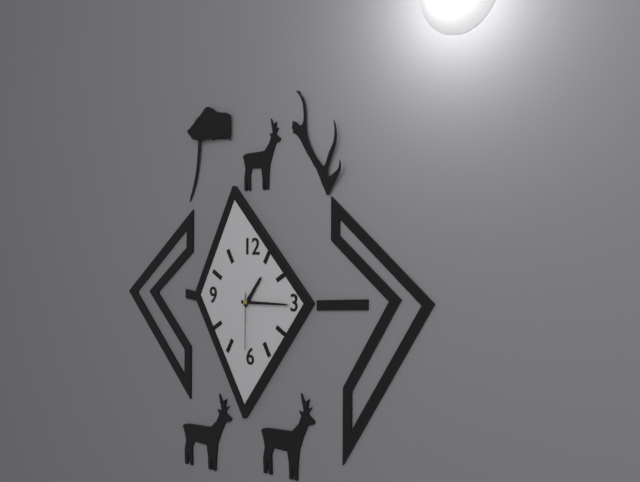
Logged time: 1 h 15 min 30 s
